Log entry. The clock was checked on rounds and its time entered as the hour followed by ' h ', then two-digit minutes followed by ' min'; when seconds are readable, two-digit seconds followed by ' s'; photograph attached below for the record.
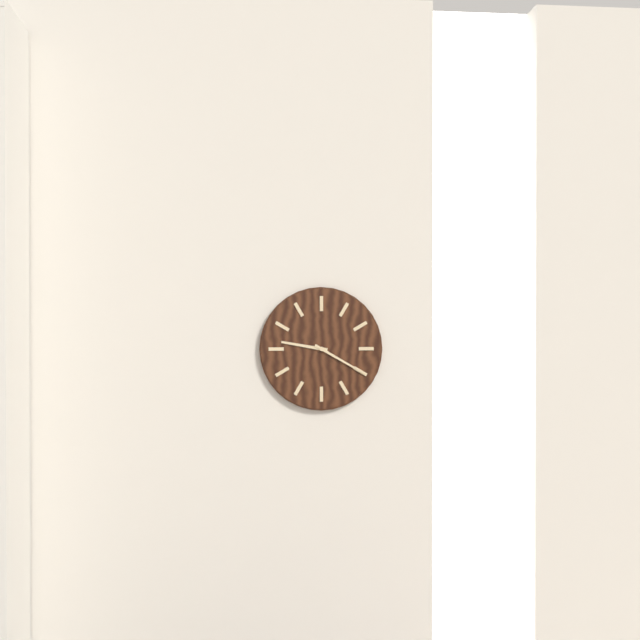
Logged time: 9 h 20 min
